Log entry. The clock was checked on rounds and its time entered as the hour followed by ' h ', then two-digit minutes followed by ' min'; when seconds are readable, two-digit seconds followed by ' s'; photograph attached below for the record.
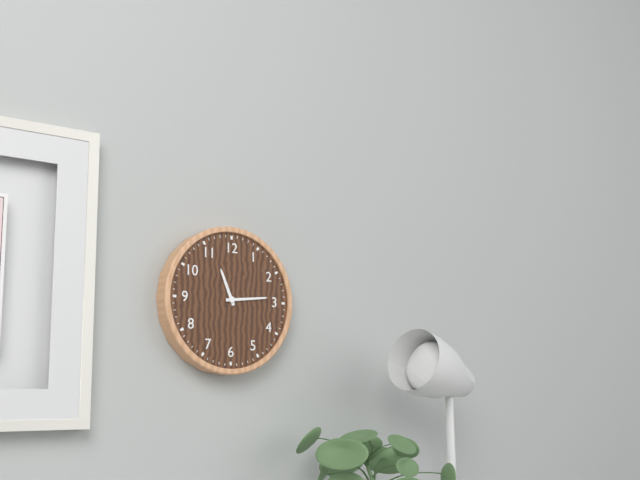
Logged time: 11 h 14 min
